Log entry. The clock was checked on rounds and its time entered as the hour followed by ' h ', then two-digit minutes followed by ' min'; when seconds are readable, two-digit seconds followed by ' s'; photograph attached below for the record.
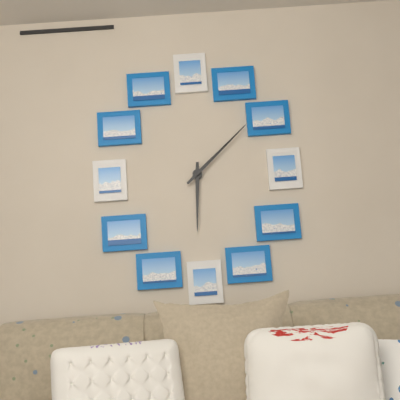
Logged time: 6 h 08 min
